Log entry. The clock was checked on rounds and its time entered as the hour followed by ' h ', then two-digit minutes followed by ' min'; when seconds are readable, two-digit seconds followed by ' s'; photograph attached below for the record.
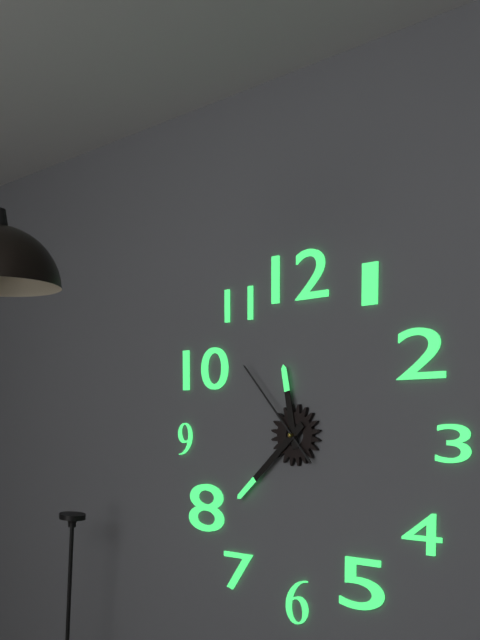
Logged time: 11 h 38 min 53 s
